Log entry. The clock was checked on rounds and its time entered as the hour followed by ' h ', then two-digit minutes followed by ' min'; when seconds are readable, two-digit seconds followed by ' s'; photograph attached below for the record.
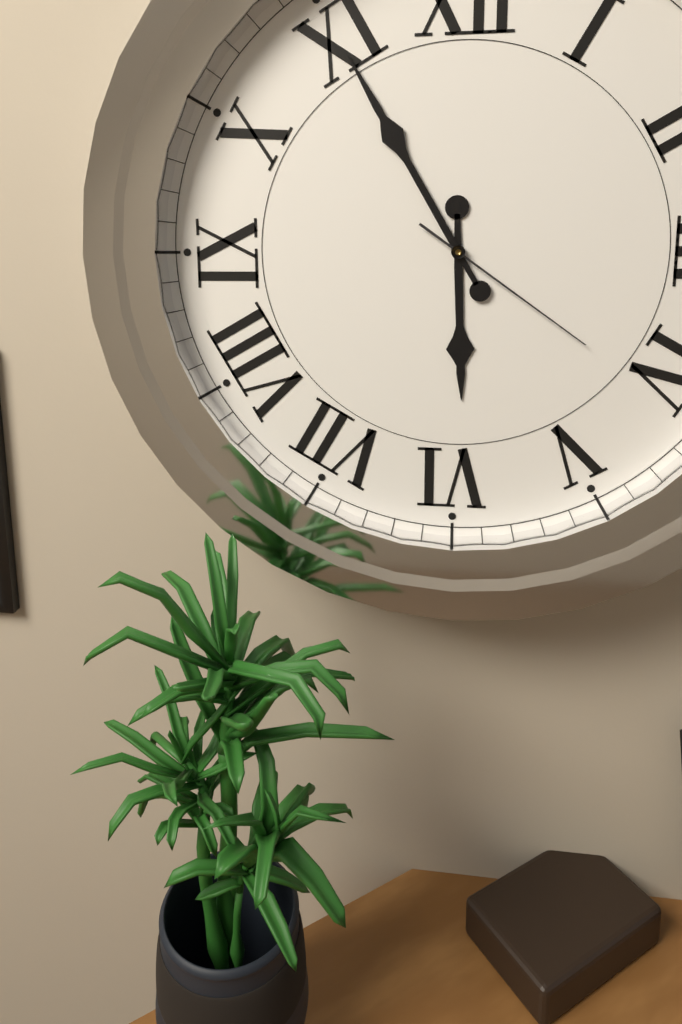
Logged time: 5 h 55 min 21 s
